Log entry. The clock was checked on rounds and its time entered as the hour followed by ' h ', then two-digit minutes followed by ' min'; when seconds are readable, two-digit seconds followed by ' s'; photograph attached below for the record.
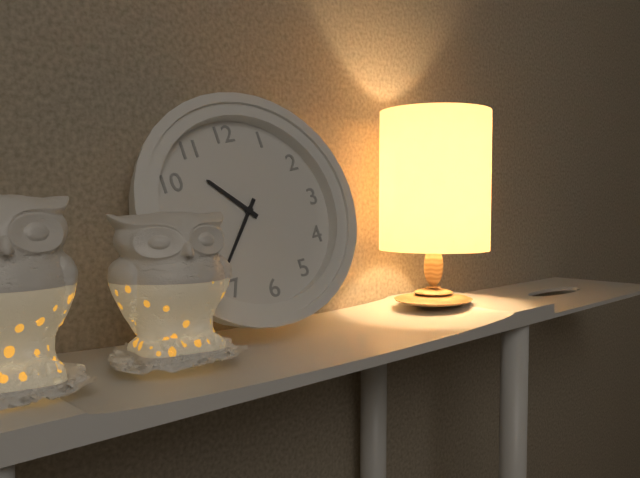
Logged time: 10 h 37 min
